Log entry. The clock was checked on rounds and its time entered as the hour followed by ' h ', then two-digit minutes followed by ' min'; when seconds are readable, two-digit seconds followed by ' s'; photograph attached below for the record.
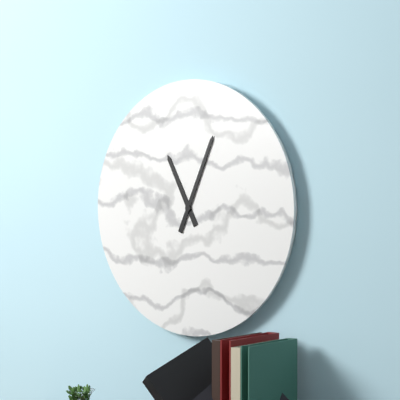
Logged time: 11 h 04 min
